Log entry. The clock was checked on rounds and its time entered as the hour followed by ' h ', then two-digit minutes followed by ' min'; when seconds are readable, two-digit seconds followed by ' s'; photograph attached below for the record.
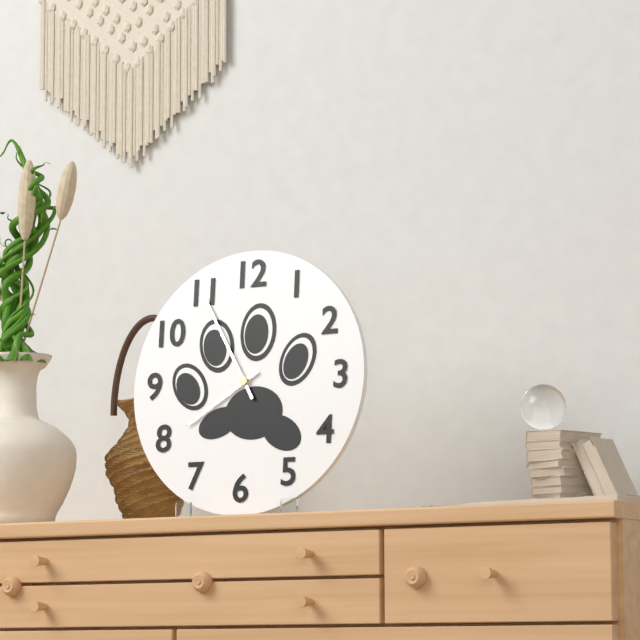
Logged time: 7 h 55 min
